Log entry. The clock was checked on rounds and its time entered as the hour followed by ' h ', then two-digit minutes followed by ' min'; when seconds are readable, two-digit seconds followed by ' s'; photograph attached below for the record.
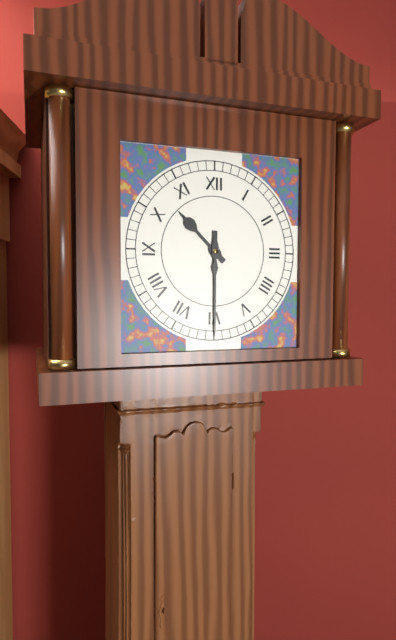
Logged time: 10 h 30 min
